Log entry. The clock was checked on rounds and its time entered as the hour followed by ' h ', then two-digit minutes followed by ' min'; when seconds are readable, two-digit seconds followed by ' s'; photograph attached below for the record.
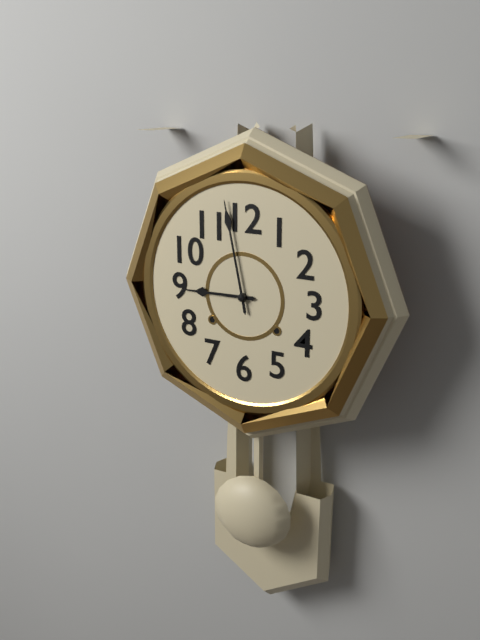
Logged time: 8 h 58 min
